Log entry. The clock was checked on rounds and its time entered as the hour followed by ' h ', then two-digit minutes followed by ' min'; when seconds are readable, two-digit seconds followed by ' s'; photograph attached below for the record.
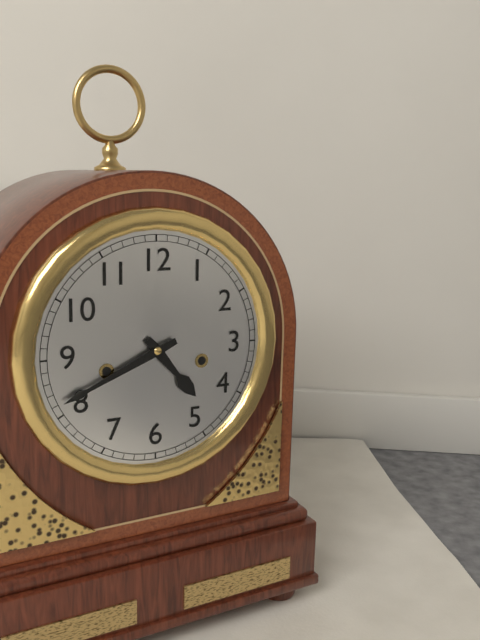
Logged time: 4 h 41 min
